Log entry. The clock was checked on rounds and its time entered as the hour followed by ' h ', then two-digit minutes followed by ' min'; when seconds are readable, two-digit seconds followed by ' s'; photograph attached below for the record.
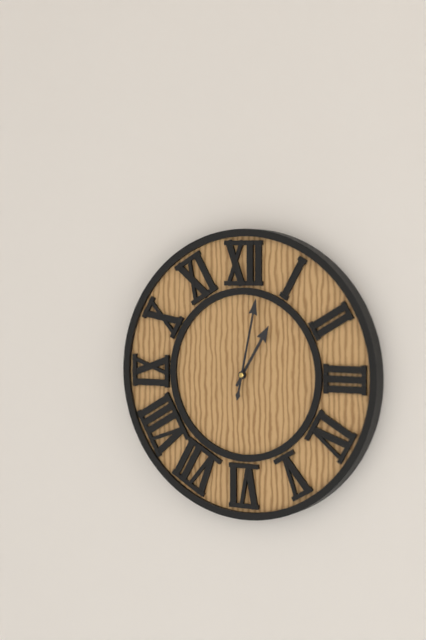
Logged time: 1 h 02 min
